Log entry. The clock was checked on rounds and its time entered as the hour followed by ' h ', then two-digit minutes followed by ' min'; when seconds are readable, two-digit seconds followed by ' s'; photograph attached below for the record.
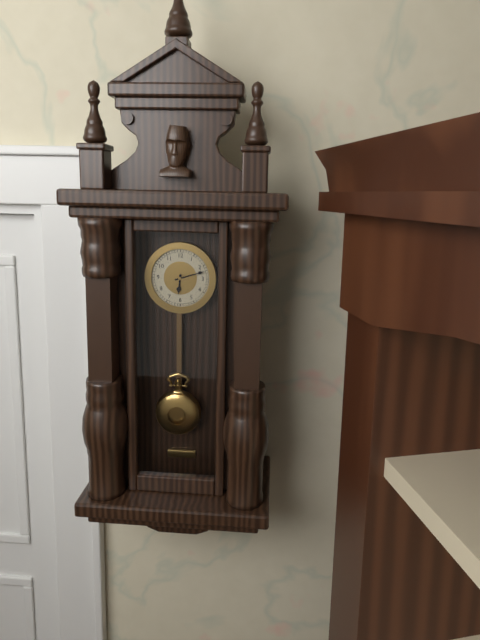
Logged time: 6 h 12 min
